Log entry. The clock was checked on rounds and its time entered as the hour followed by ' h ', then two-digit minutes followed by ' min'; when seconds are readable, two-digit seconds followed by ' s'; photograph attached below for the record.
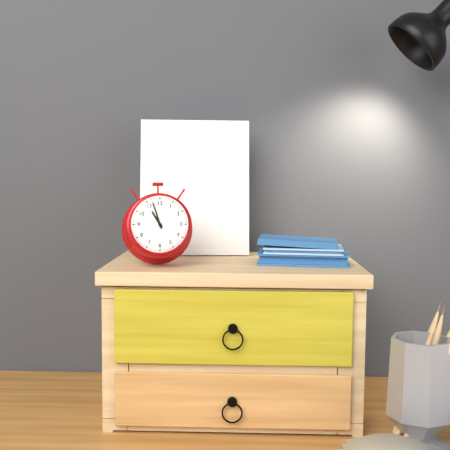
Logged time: 10 h 57 min
